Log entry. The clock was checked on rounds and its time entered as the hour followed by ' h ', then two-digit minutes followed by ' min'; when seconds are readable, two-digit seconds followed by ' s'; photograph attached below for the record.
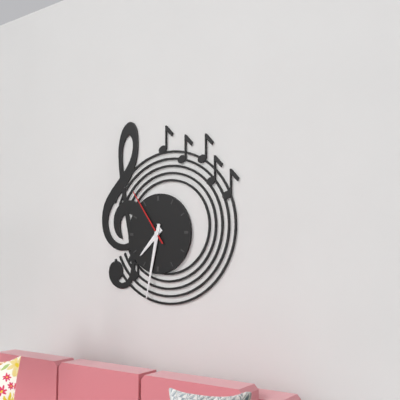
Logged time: 7 h 32 min 54 s
